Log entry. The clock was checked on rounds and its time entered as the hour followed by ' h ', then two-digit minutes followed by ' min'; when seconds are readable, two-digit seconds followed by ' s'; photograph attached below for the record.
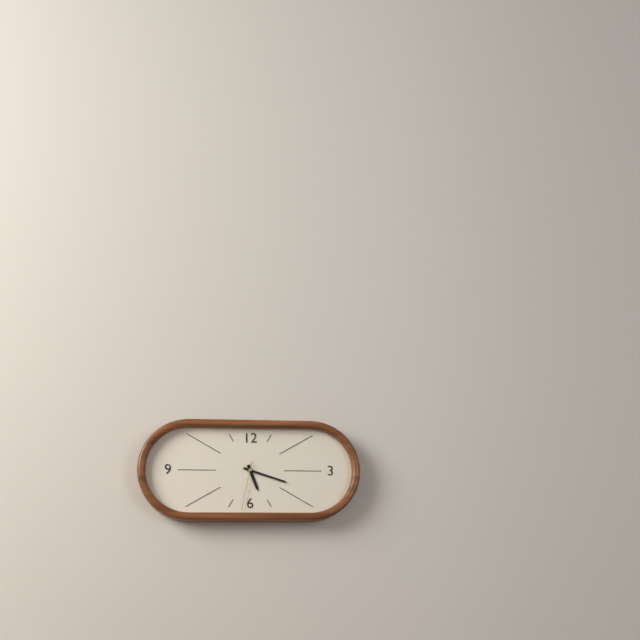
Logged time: 5 h 18 min
